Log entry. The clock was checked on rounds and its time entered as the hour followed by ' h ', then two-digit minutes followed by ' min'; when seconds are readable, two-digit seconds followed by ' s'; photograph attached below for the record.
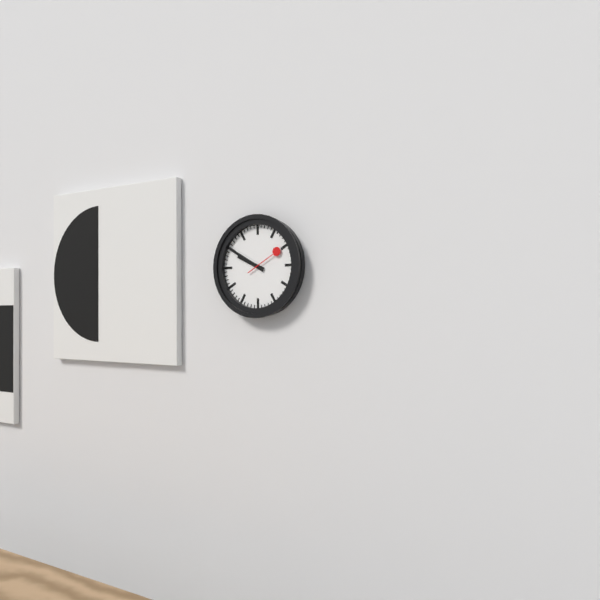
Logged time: 9 h 50 min
